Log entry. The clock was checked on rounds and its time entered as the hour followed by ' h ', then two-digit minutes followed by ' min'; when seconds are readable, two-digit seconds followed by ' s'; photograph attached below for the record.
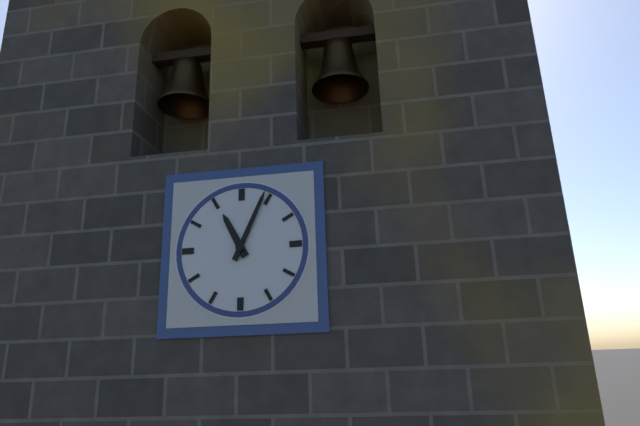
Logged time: 11 h 04 min
